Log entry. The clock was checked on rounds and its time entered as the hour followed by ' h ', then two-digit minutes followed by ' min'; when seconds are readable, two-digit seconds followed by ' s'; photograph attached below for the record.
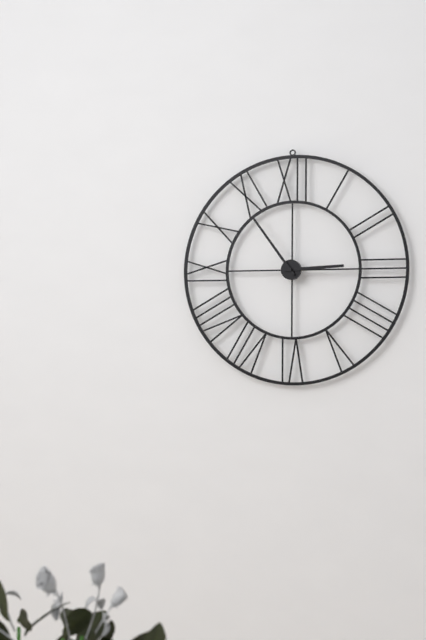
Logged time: 2 h 54 min
